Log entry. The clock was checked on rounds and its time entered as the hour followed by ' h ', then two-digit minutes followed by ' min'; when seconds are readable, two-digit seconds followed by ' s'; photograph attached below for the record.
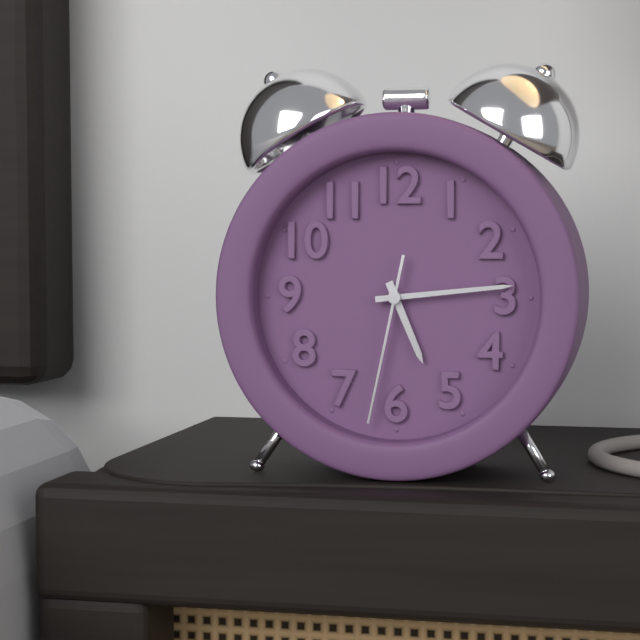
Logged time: 5 h 14 min 32 s
